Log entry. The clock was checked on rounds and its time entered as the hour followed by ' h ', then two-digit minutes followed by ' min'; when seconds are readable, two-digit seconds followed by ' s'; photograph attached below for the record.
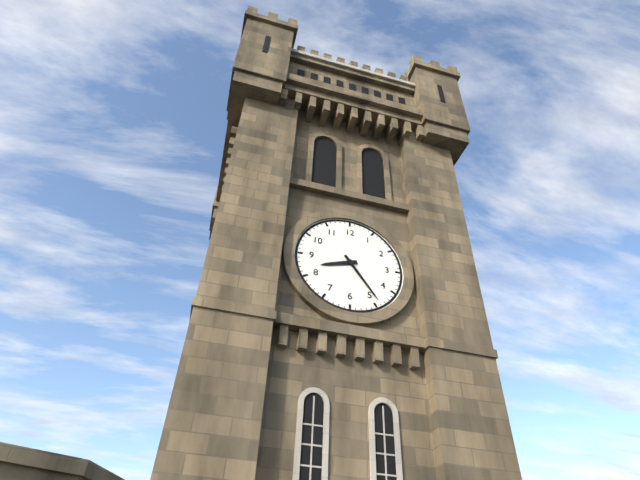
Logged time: 8 h 24 min
